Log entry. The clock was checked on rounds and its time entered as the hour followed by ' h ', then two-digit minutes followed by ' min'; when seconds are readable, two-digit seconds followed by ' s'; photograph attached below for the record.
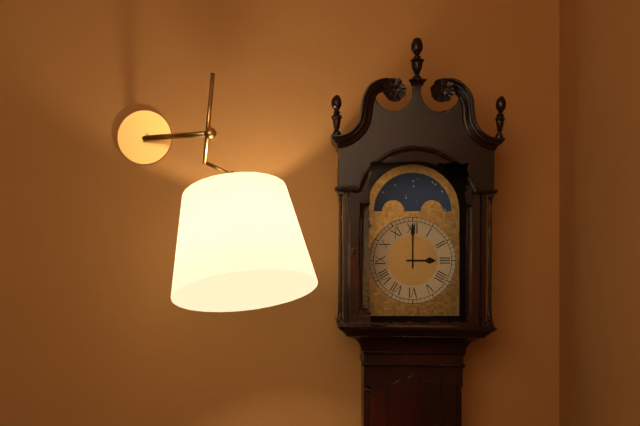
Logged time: 3 h 00 min
